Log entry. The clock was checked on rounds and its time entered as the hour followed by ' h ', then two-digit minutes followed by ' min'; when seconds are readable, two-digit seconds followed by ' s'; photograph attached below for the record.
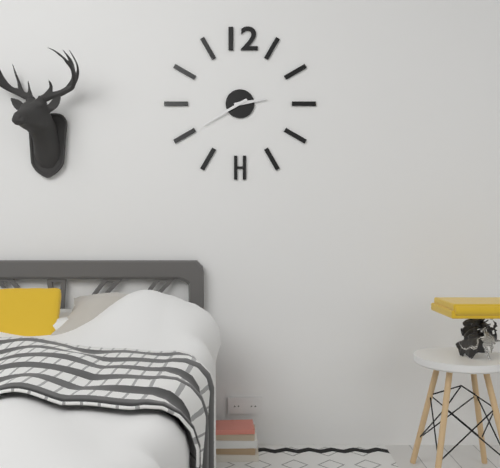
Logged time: 2 h 40 min
